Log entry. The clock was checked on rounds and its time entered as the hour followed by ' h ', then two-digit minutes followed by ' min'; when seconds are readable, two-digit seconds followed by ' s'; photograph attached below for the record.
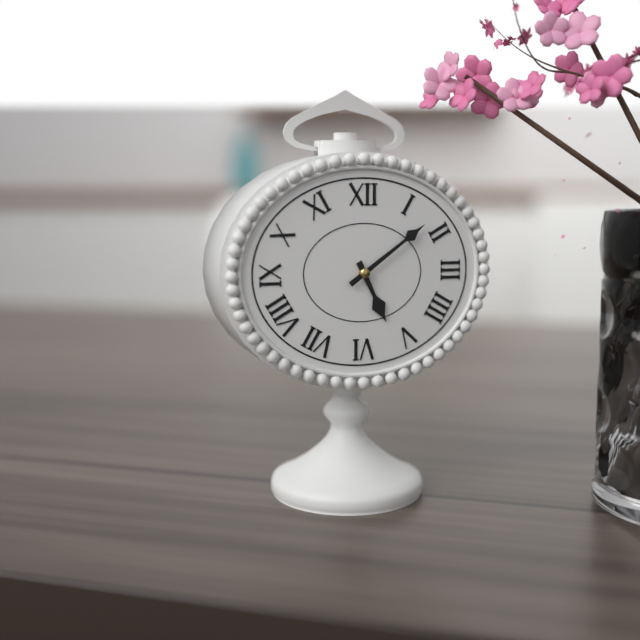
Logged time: 5 h 09 min
